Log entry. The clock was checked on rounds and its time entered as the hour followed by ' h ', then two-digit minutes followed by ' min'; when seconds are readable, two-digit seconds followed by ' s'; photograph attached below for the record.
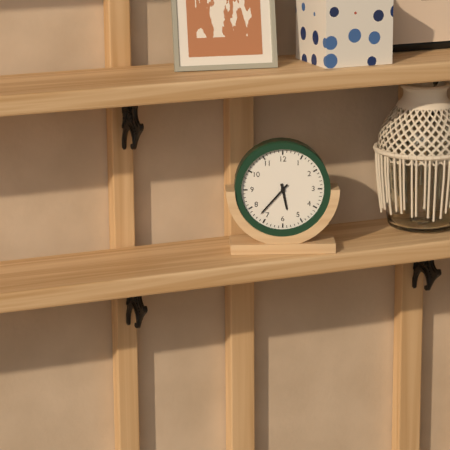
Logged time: 5 h 37 min
